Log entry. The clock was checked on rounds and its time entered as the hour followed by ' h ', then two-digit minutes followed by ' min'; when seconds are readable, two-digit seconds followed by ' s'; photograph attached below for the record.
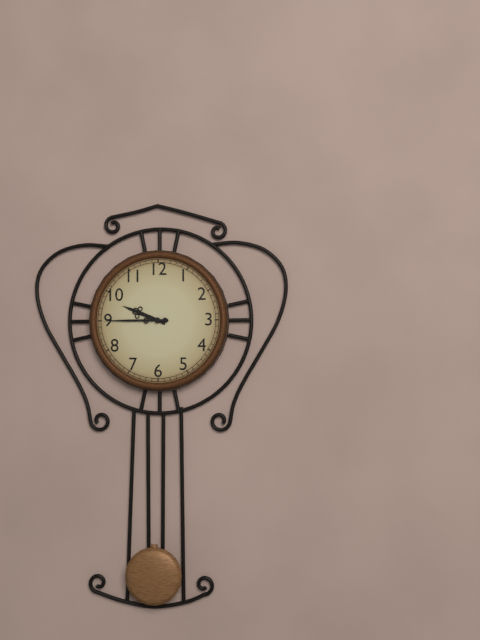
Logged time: 9 h 45 min
